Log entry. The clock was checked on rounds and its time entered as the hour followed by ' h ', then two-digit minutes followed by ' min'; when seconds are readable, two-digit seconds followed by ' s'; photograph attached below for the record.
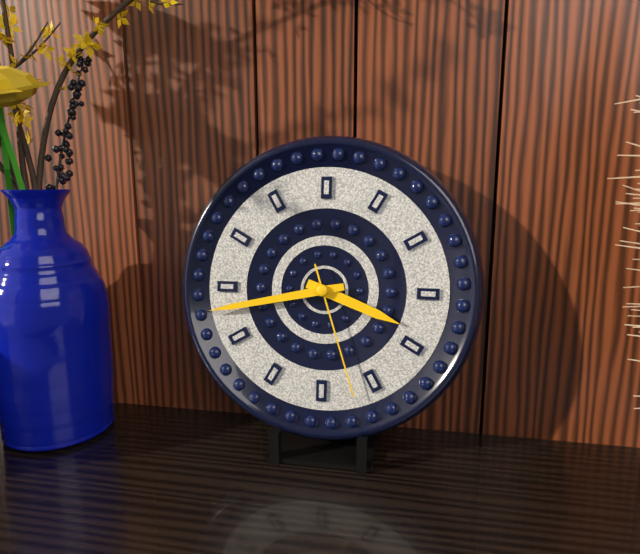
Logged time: 3 h 43 min 27 s
